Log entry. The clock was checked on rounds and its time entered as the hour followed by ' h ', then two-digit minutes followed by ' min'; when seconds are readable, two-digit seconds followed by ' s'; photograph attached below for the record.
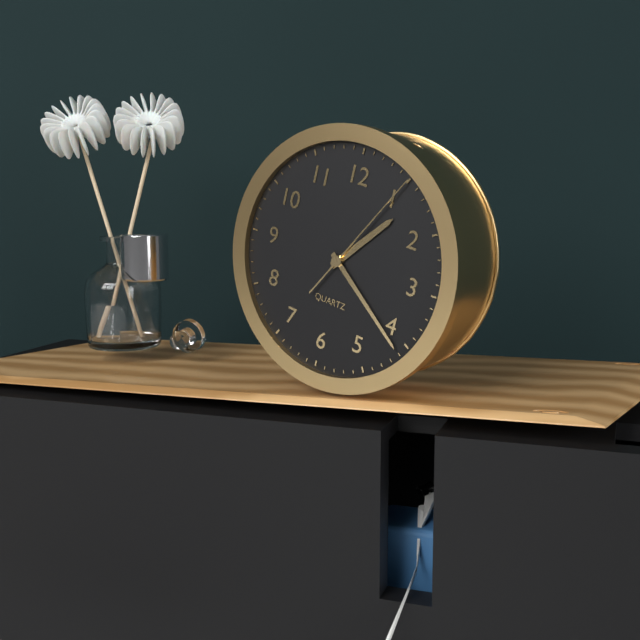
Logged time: 1 h 21 min 05 s
